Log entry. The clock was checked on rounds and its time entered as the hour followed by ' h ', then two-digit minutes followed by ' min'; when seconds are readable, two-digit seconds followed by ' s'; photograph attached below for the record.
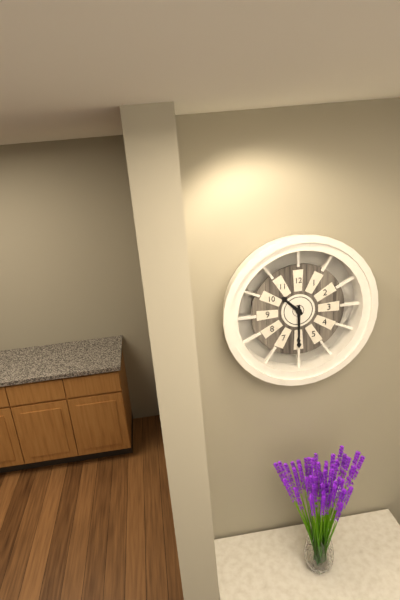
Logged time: 10 h 30 min
